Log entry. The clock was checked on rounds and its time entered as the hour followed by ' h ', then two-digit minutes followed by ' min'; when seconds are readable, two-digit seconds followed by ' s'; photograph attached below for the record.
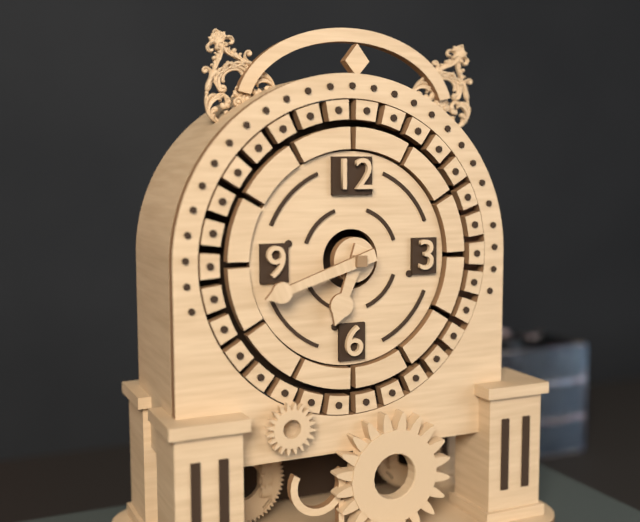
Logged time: 6 h 42 min
